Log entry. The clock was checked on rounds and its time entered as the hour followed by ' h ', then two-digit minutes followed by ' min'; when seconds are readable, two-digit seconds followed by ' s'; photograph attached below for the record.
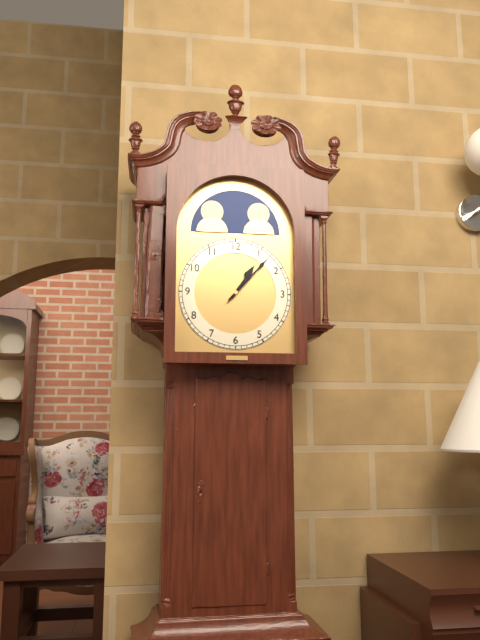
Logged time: 1 h 07 min
